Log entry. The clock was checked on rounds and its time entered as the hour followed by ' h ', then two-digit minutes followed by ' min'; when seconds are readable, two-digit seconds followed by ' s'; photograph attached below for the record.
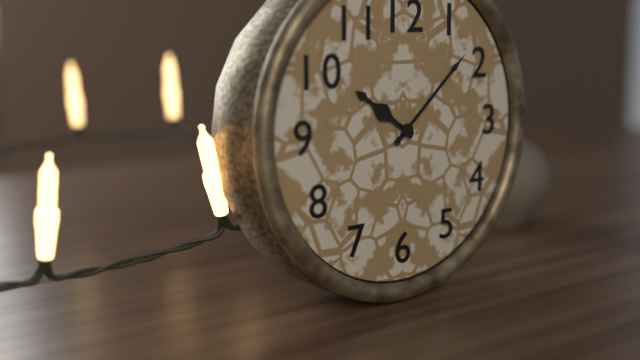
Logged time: 10 h 08 min
